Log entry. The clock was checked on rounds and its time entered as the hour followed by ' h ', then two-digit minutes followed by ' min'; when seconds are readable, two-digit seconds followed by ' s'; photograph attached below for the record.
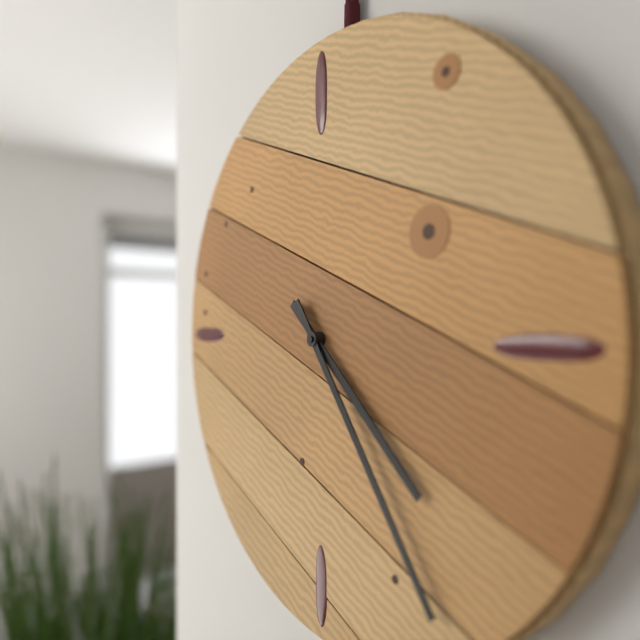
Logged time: 4 h 24 min
